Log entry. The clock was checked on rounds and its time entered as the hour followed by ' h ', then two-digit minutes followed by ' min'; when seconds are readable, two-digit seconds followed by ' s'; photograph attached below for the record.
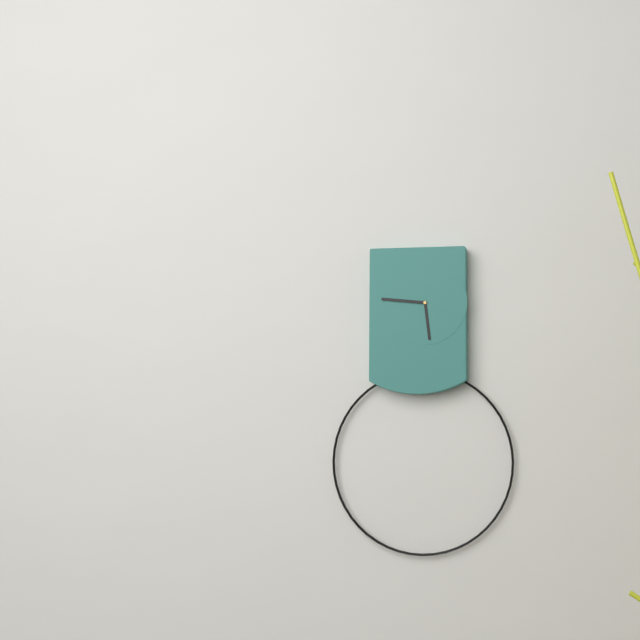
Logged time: 5 h 46 min
